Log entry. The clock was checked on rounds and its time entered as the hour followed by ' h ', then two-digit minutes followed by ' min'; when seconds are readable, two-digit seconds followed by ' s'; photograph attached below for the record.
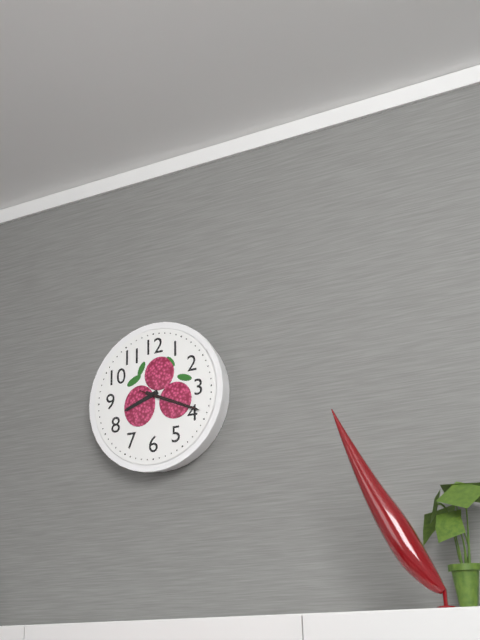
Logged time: 8 h 19 min 19 s
